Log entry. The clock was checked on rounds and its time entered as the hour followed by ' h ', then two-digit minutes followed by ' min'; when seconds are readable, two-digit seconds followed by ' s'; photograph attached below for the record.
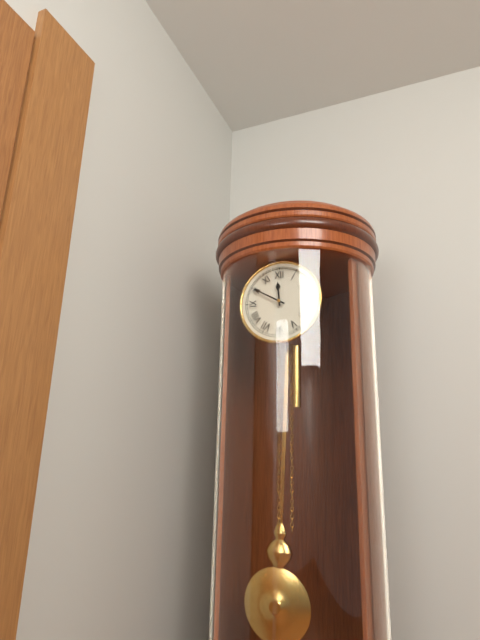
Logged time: 11 h 50 min
